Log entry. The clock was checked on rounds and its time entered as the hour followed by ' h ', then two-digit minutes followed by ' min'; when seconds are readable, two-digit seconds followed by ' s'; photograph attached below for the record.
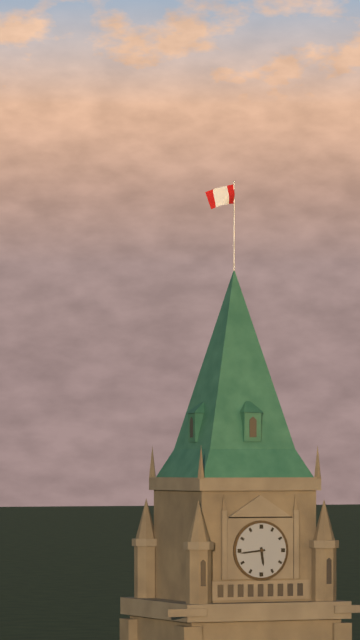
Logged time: 5 h 44 min
